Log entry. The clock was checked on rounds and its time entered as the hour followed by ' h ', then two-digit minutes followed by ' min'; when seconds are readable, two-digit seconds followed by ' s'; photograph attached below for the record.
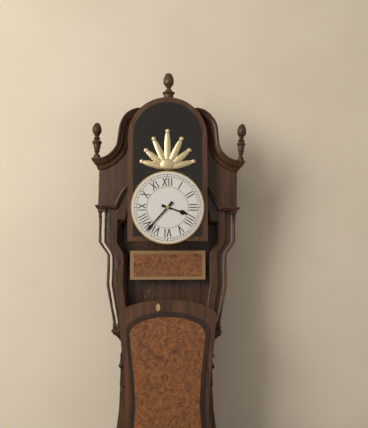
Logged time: 3 h 37 min
